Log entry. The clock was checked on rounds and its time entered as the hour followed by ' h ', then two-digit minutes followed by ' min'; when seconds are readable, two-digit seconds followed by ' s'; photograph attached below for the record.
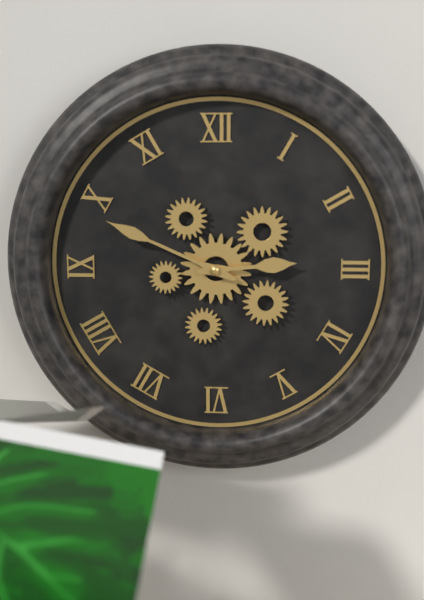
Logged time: 2 h 49 min
